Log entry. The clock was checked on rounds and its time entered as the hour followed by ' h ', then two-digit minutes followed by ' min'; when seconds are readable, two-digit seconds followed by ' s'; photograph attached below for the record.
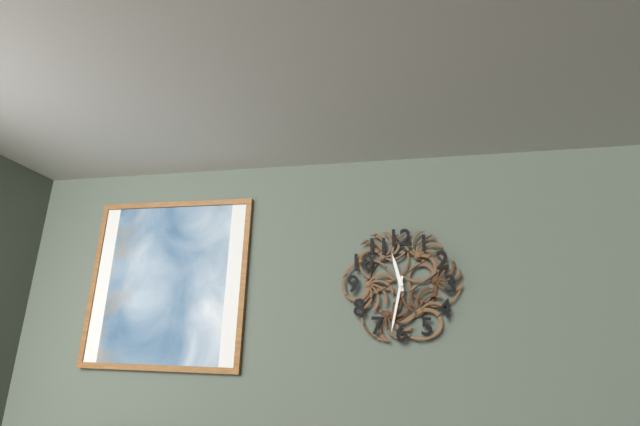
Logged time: 11 h 32 min
